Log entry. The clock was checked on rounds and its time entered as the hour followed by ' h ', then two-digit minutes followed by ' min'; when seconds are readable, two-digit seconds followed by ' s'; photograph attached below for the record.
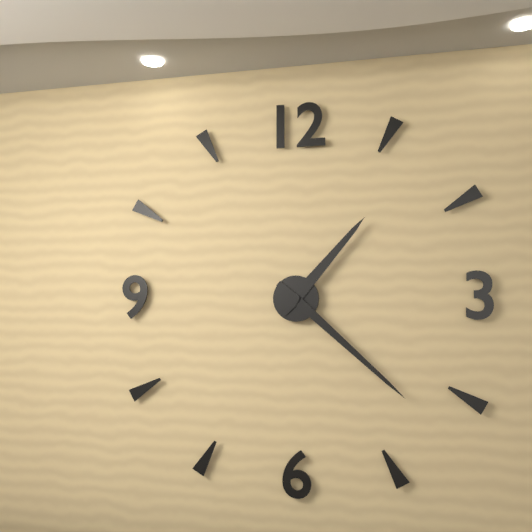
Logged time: 1 h 22 min
